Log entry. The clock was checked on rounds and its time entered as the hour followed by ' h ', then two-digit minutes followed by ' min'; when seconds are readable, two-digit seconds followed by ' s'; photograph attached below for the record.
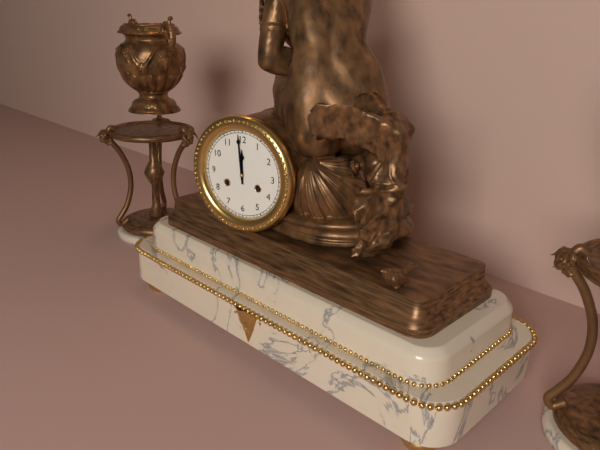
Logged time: 11 h 59 min
